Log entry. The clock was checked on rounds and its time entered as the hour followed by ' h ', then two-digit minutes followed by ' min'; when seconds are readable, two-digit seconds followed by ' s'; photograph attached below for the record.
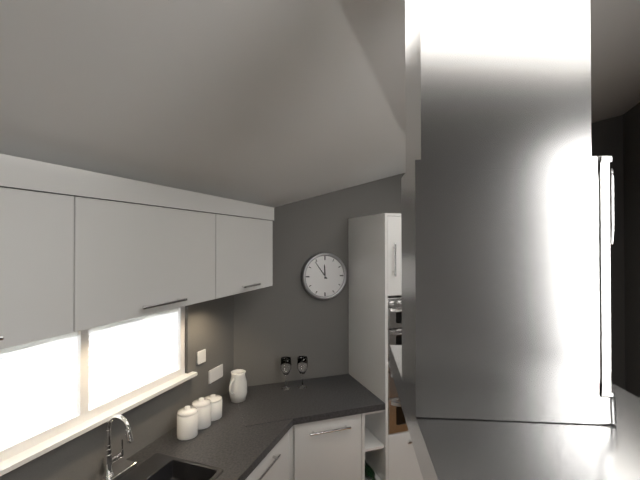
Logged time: 11 h 54 min
